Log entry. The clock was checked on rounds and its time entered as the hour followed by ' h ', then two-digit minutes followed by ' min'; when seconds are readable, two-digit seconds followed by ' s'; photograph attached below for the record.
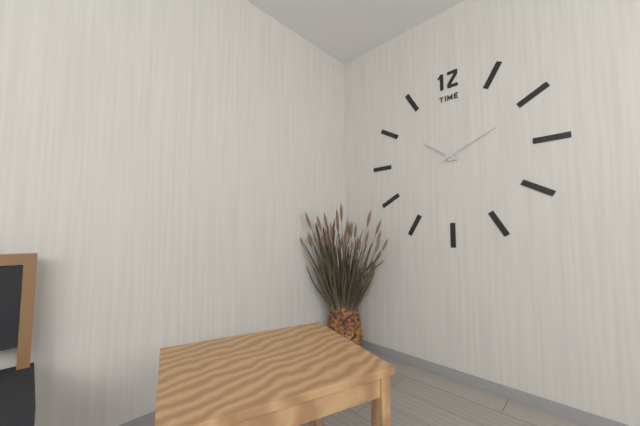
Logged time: 10 h 11 min
